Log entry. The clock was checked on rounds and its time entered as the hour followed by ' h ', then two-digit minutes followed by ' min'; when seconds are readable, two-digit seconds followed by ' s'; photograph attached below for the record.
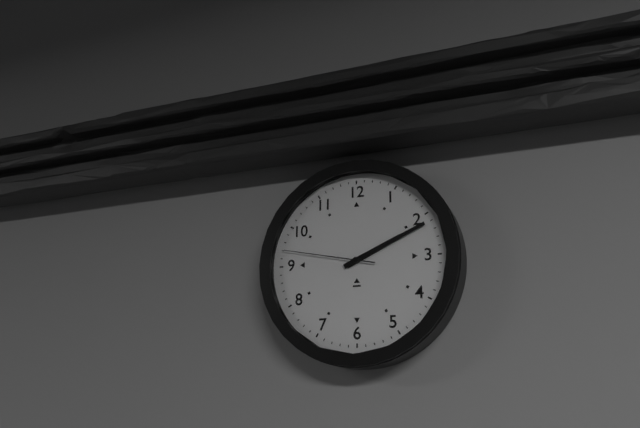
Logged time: 2 h 11 min 47 s
